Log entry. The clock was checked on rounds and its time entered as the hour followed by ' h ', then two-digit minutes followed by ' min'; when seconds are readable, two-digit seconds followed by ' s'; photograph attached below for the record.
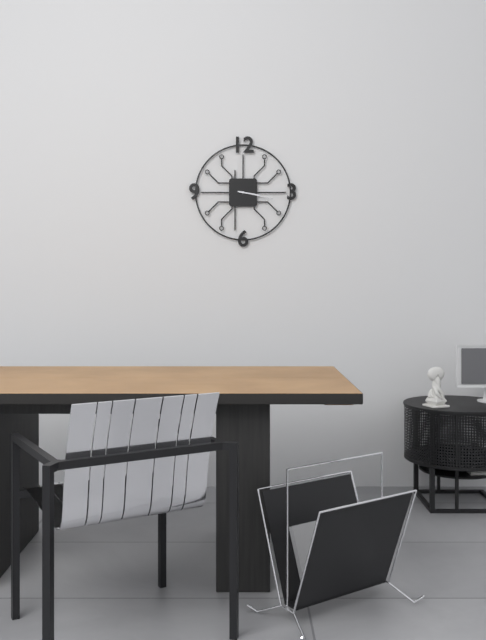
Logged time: 3 h 17 min
